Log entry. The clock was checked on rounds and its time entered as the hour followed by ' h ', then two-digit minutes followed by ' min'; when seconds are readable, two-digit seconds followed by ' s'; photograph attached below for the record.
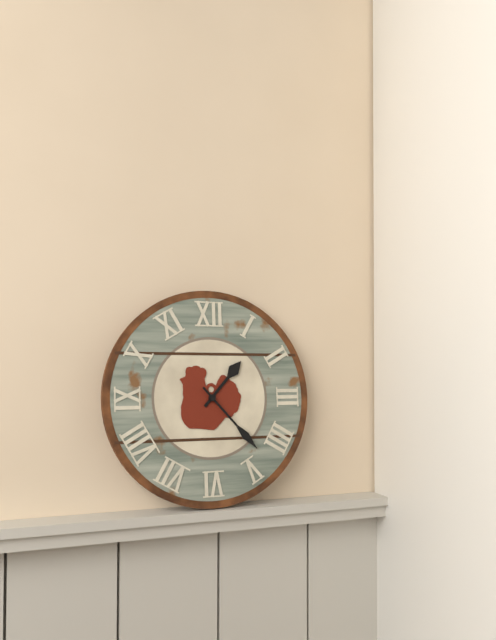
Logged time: 1 h 23 min
